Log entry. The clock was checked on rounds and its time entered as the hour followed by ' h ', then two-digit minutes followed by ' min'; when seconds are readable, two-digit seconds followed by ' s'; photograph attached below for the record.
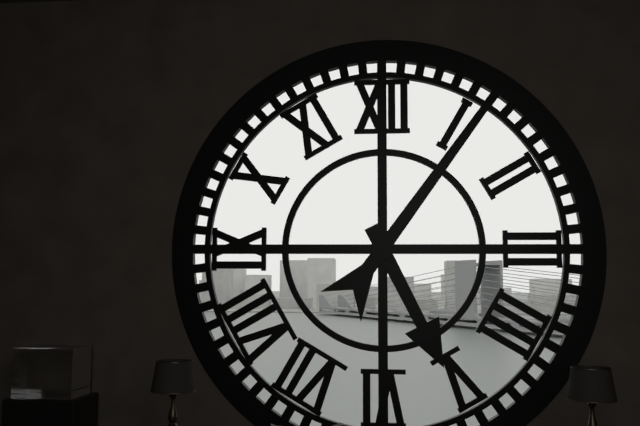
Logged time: 5 h 06 min
